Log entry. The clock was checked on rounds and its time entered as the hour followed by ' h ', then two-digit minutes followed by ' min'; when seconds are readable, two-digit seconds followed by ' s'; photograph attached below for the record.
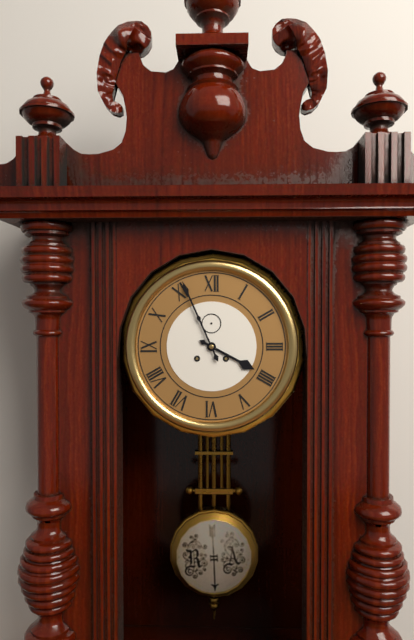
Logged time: 3 h 56 min
